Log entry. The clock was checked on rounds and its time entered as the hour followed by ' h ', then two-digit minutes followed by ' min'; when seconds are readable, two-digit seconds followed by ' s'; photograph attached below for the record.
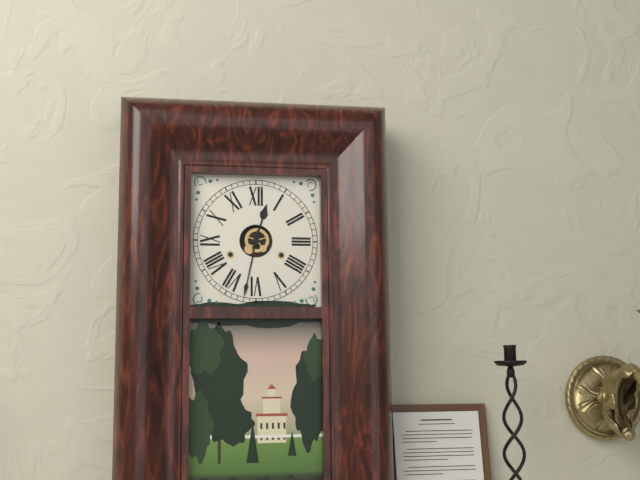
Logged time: 12 h 32 min
